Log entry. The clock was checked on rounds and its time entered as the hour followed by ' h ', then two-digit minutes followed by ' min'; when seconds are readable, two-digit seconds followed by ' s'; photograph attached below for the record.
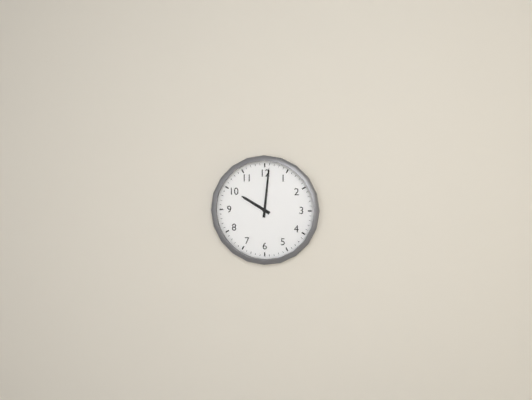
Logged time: 10 h 01 min
